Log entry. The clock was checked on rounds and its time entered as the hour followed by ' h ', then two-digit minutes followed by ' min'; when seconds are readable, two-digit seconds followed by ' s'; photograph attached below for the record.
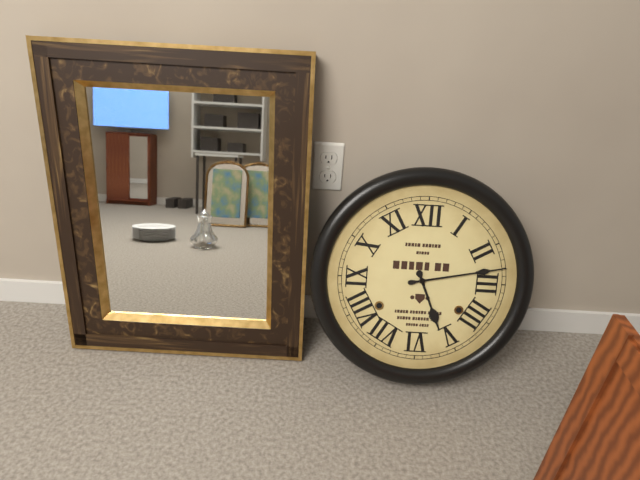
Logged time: 5 h 13 min
